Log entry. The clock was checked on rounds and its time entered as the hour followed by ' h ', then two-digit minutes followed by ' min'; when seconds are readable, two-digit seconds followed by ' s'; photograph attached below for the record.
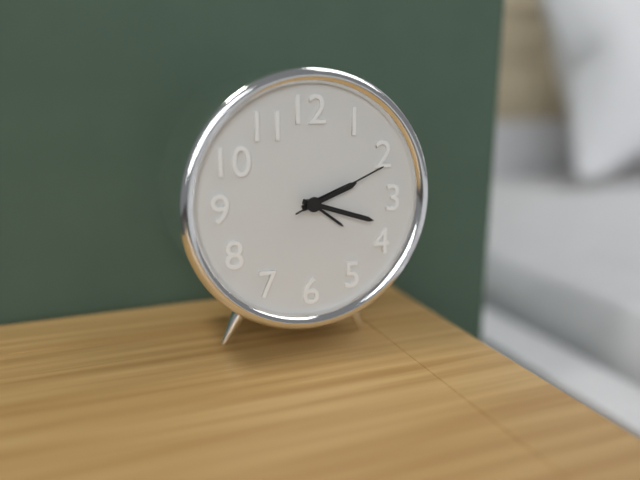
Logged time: 2 h 18 min 11 s
